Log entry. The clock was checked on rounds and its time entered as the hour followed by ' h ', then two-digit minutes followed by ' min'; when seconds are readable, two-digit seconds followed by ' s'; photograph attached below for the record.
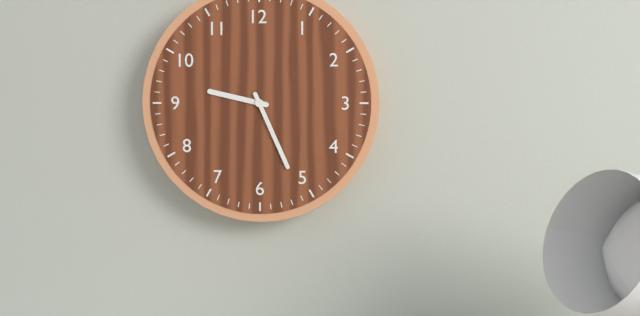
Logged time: 9 h 26 min
